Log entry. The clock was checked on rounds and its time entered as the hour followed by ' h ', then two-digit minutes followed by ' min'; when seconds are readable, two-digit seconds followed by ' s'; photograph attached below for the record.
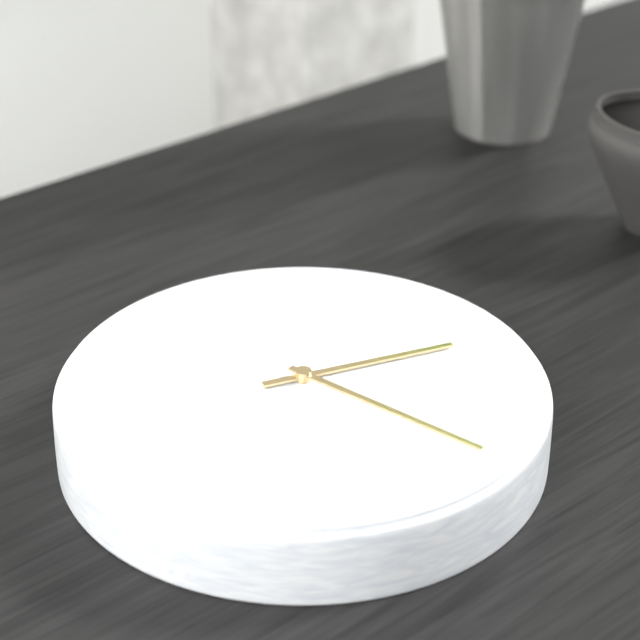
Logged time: 2 h 22 min
